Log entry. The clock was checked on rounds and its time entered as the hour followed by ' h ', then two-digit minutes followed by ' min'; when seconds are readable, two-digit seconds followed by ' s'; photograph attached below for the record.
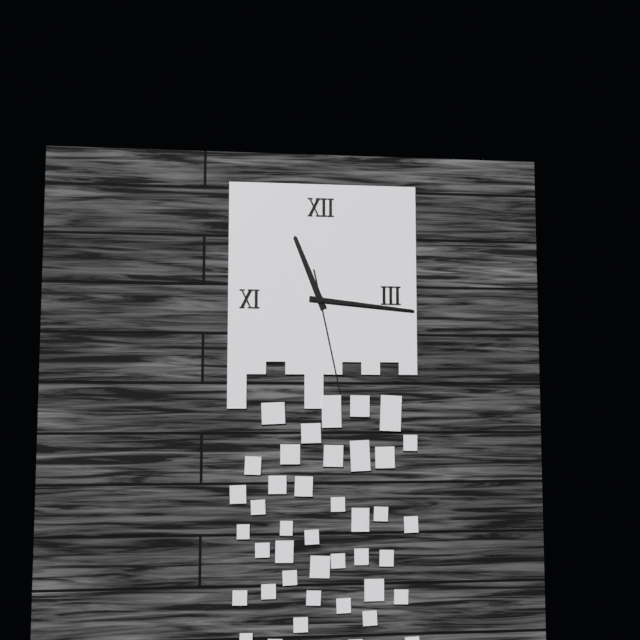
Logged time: 11 h 16 min 28 s
